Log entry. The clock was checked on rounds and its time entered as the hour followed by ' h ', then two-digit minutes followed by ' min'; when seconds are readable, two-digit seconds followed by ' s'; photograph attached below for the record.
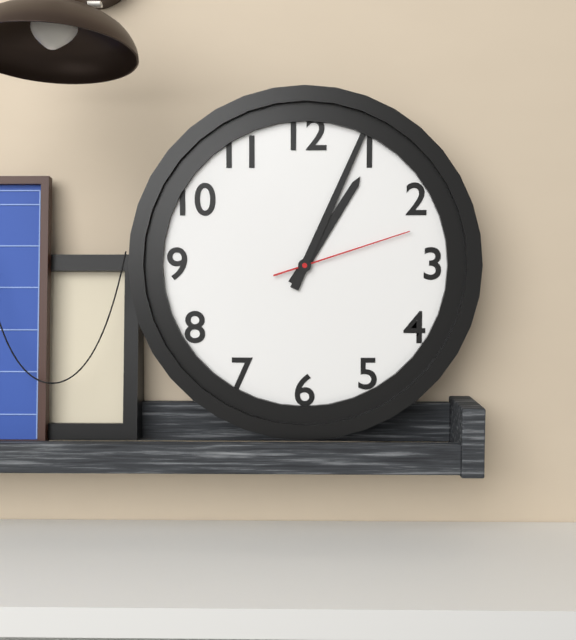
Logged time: 1 h 04 min 12 s
